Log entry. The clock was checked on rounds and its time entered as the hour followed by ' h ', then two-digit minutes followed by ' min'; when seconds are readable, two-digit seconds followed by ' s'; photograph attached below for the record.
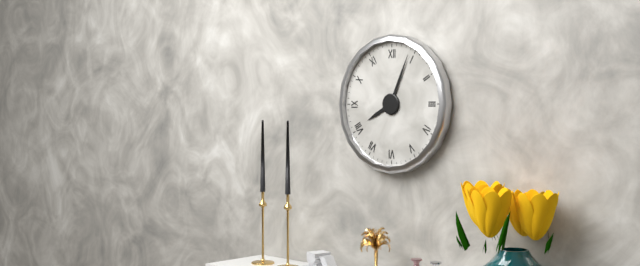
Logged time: 8 h 04 min
